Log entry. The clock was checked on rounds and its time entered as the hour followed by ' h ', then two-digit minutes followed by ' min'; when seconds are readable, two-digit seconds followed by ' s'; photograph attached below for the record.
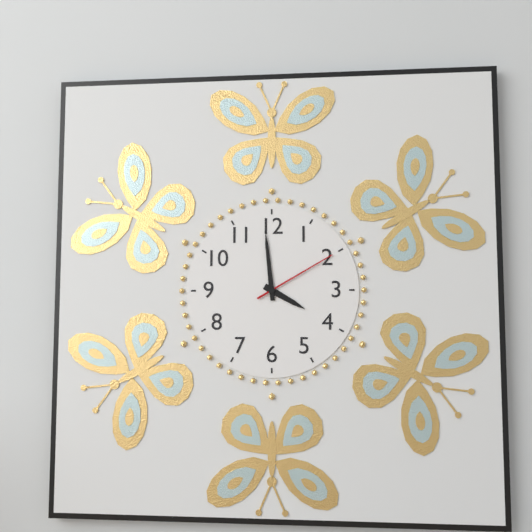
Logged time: 3 h 59 min 10 s
